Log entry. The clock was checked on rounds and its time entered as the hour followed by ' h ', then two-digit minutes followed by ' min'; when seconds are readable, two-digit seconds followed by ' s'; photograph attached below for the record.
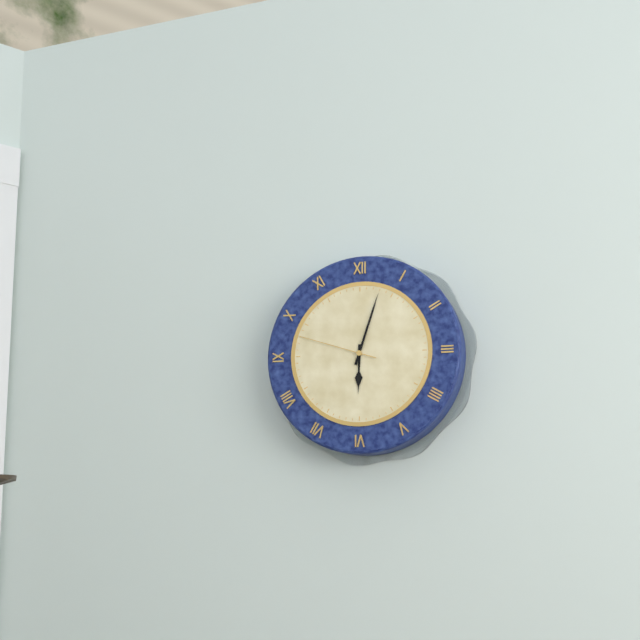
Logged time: 6 h 03 min 48 s
